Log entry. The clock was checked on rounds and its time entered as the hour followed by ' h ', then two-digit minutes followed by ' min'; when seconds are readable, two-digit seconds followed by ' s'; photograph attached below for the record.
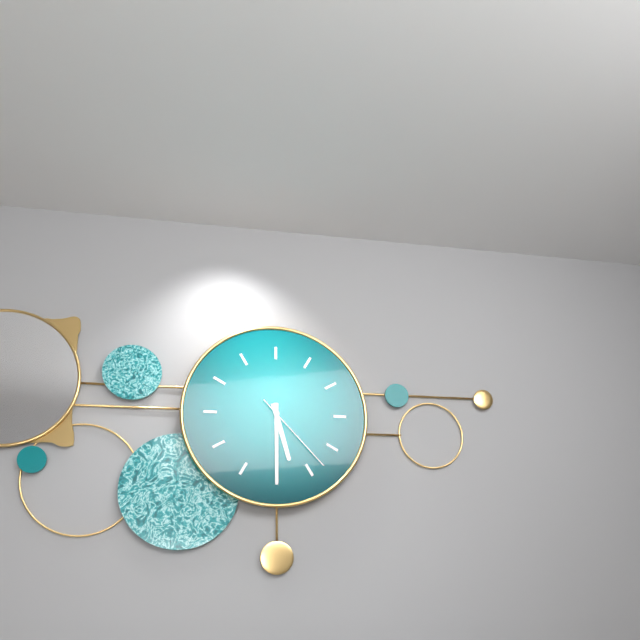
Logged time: 5 h 30 min 23 s
